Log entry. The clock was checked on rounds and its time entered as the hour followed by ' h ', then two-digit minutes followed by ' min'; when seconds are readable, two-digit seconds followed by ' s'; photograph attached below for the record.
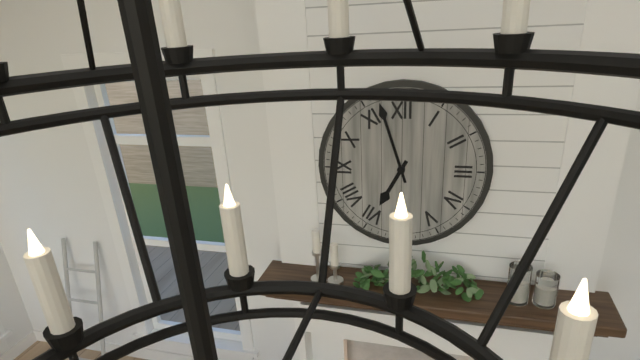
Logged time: 6 h 57 min
